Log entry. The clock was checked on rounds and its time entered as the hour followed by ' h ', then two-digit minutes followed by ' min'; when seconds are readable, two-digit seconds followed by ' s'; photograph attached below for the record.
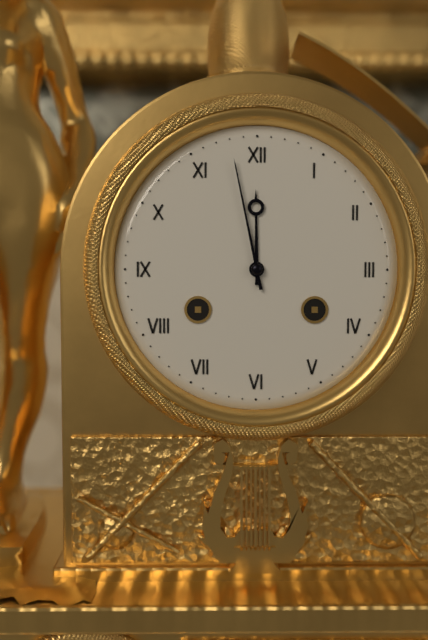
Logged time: 11 h 58 min
